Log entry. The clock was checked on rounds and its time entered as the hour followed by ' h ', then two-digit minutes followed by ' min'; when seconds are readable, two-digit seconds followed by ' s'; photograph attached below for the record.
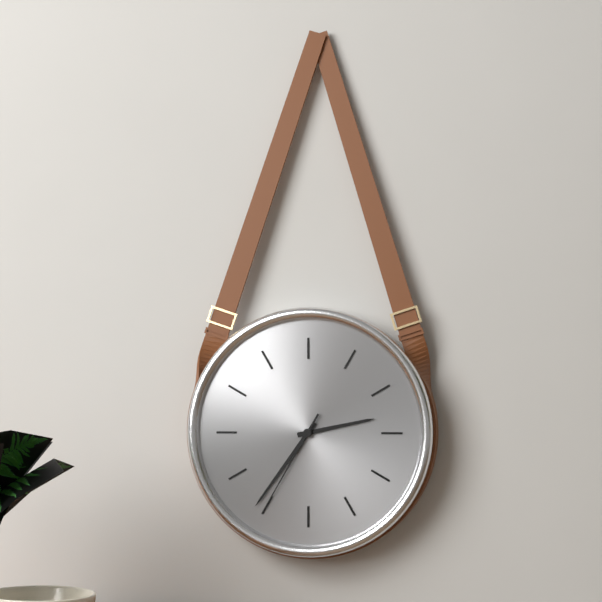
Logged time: 2 h 36 min 35 s
